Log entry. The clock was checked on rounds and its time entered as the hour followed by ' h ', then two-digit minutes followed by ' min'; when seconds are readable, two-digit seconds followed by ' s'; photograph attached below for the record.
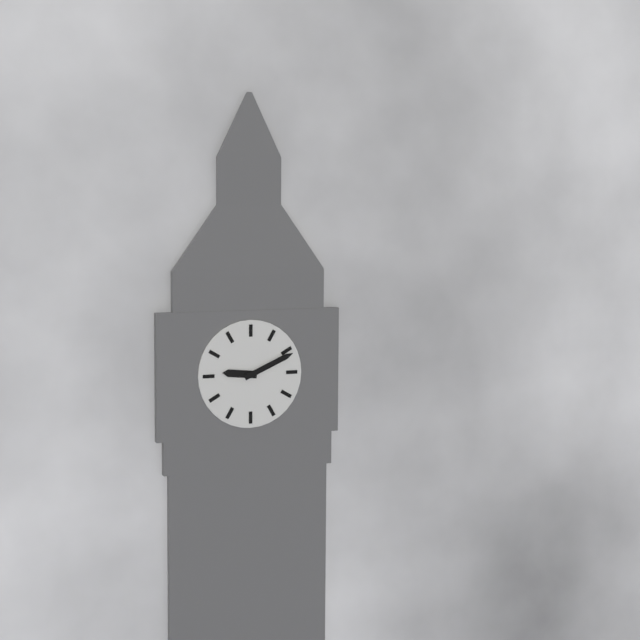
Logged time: 9 h 11 min
